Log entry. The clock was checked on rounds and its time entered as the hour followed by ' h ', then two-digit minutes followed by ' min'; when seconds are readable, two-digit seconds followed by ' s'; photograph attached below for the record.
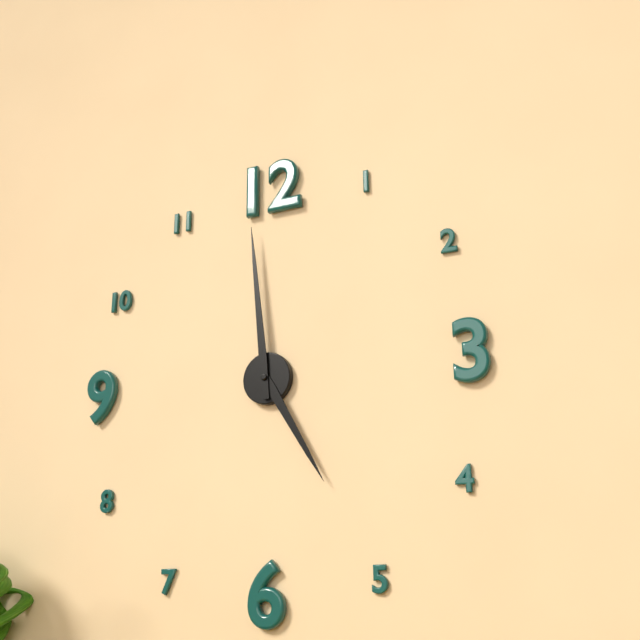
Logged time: 4 h 59 min
